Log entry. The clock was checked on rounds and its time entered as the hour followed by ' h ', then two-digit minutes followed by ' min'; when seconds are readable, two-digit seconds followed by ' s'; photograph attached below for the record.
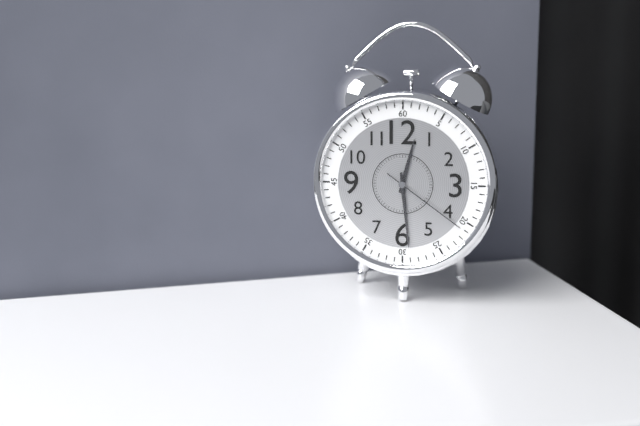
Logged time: 12 h 29 min 21 s
